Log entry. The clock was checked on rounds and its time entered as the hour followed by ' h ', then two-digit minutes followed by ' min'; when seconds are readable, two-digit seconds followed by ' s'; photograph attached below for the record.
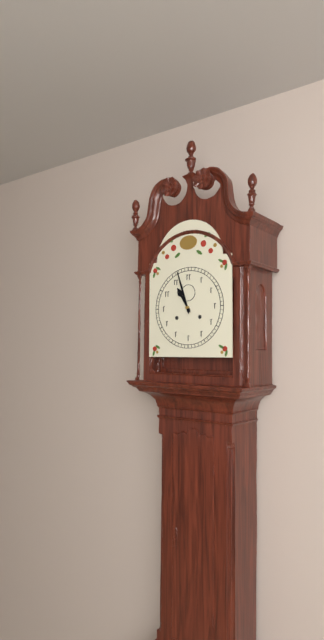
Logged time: 10 h 57 min
